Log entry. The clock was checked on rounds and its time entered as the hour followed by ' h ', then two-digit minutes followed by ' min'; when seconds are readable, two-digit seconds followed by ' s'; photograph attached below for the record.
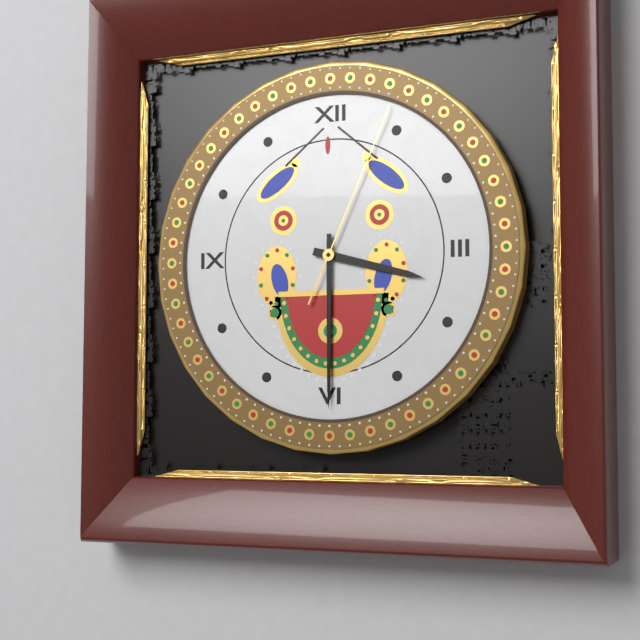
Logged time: 3 h 30 min 04 s
